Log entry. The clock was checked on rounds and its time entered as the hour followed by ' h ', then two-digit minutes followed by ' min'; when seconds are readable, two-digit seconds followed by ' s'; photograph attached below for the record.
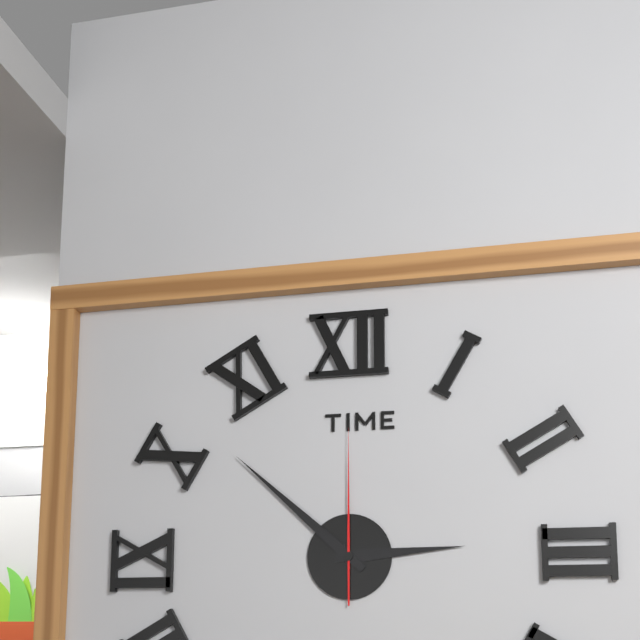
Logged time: 2 h 52 min 00 s
